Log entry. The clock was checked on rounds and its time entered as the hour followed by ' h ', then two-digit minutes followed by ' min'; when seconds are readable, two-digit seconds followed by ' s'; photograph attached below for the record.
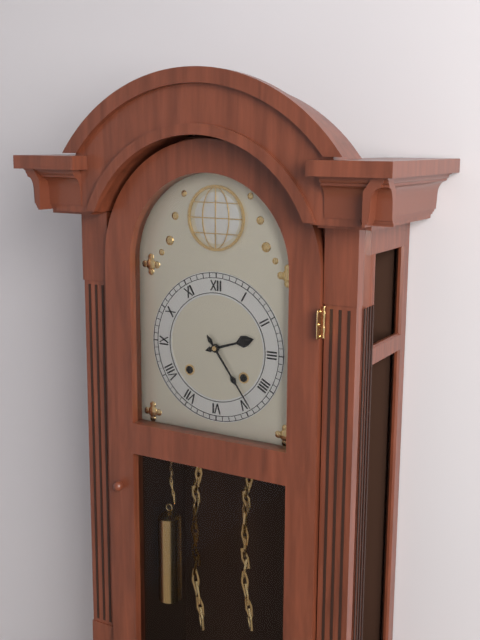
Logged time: 2 h 24 min
